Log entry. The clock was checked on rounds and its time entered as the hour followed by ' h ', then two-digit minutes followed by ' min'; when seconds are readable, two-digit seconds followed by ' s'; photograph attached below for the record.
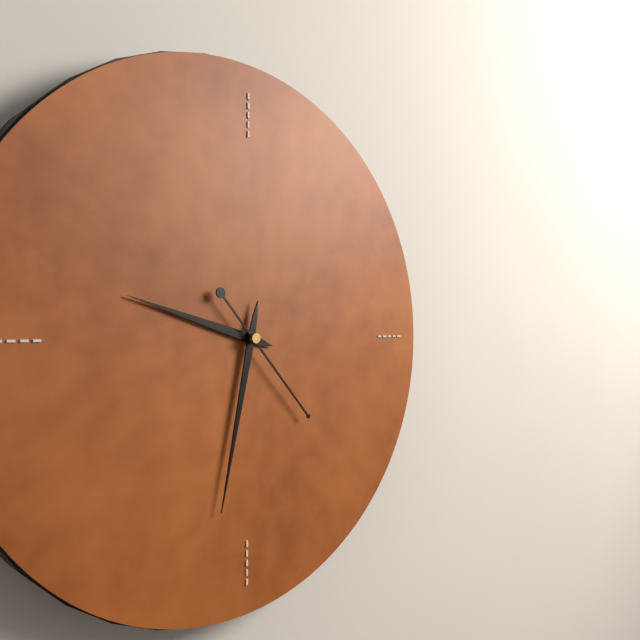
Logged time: 9 h 32 min 23 s
